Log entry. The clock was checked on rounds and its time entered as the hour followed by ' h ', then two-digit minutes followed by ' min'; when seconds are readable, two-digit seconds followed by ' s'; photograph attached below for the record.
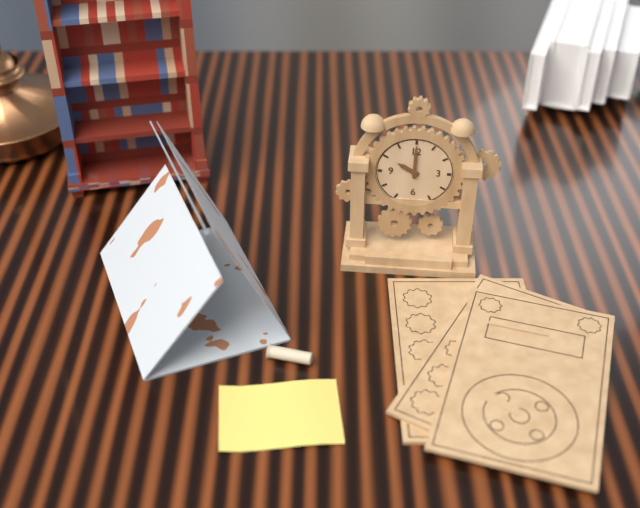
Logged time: 10 h 00 min
